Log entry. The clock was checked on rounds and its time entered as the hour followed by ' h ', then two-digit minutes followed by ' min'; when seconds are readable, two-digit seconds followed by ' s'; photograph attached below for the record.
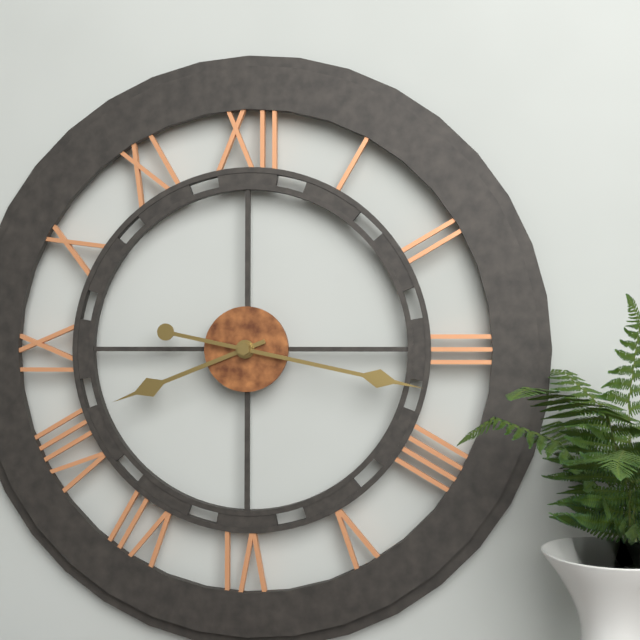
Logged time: 8 h 17 min
